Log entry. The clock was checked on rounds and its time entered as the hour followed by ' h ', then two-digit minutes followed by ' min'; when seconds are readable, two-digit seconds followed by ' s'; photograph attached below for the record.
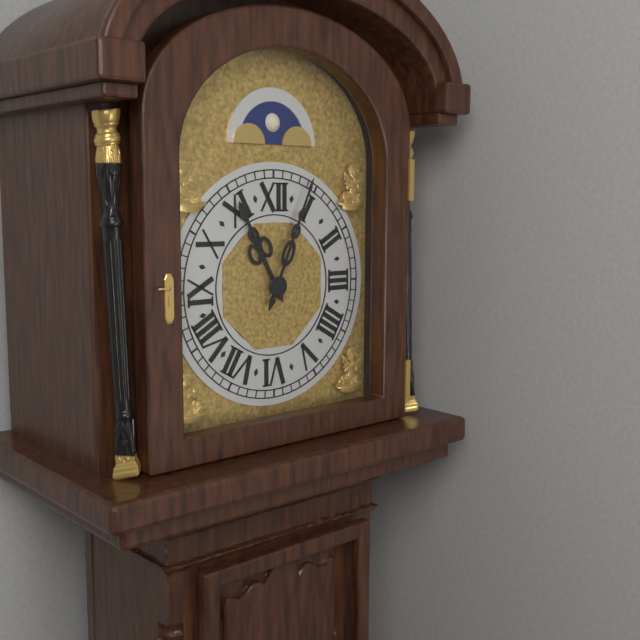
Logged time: 11 h 04 min
